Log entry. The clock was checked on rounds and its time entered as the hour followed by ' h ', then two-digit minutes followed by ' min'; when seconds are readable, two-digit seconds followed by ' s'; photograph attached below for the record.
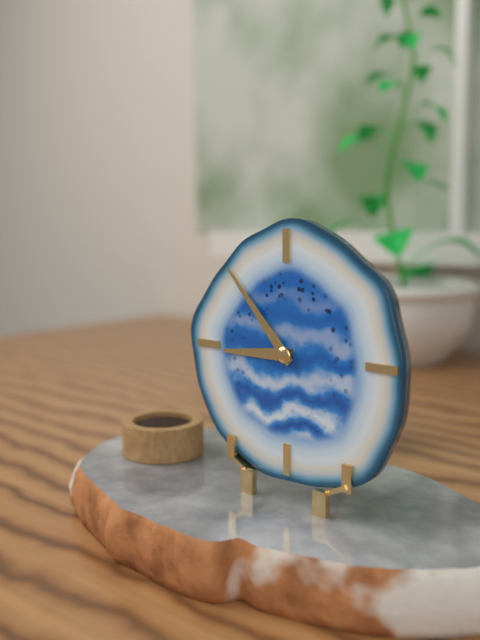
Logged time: 8 h 53 min
